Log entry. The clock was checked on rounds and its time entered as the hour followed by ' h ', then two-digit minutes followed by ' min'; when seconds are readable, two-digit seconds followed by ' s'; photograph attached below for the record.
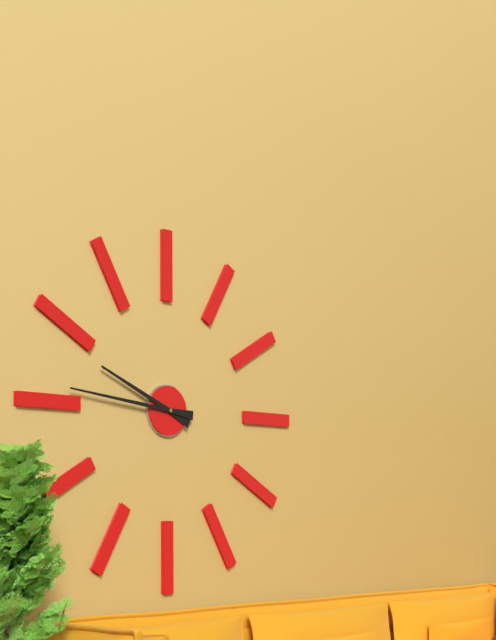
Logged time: 9 h 46 min
